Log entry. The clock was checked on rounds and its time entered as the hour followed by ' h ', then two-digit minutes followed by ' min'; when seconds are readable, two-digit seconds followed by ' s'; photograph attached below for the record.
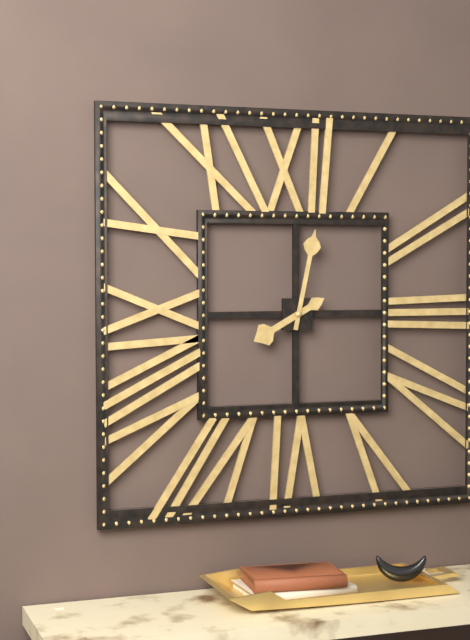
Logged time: 8 h 02 min
